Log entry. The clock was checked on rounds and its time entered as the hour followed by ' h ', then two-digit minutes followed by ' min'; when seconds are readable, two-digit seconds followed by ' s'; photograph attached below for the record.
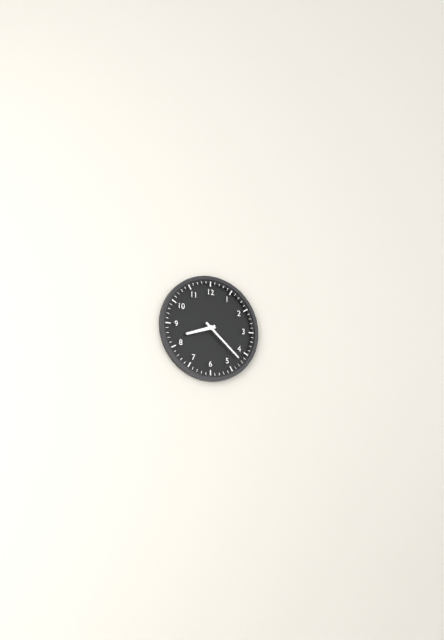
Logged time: 8 h 22 min
